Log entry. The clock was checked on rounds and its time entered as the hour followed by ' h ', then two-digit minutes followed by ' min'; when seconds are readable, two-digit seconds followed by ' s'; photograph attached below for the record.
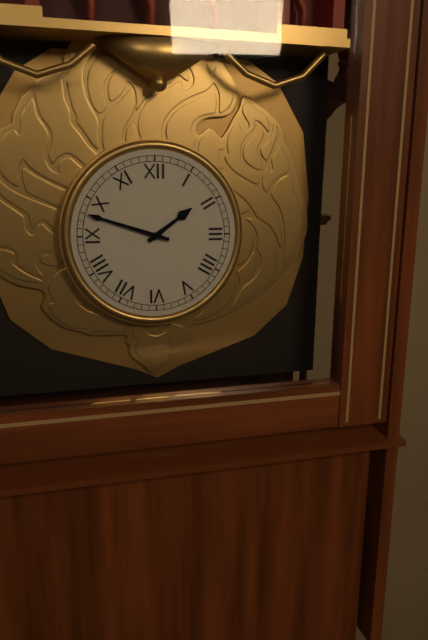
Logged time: 1 h 48 min
